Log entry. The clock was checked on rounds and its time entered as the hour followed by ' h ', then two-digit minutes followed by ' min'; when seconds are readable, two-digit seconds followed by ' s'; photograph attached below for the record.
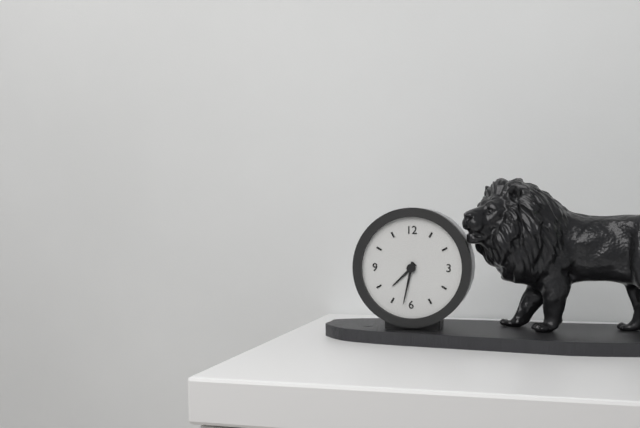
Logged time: 7 h 32 min
